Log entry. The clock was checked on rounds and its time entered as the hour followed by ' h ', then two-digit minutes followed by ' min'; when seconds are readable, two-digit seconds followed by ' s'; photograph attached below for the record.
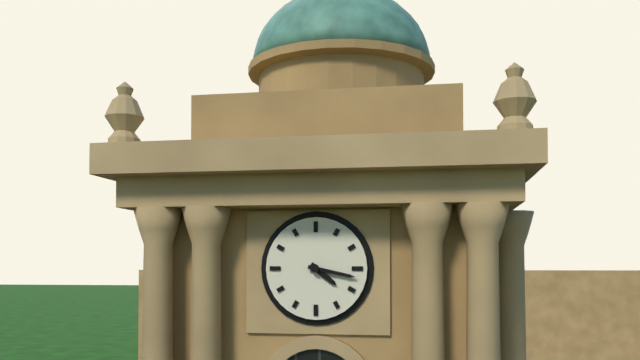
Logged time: 4 h 17 min
